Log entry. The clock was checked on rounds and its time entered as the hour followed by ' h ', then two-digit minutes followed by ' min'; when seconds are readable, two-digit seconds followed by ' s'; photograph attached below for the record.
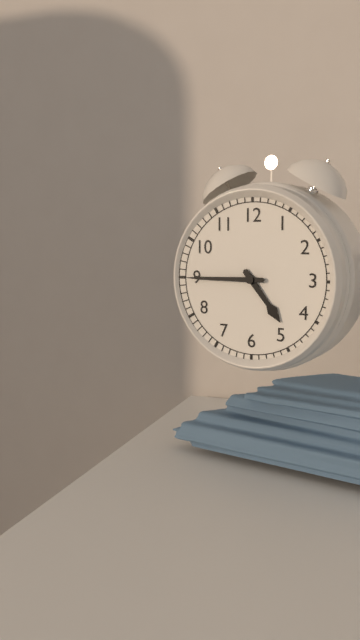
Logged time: 4 h 45 min
